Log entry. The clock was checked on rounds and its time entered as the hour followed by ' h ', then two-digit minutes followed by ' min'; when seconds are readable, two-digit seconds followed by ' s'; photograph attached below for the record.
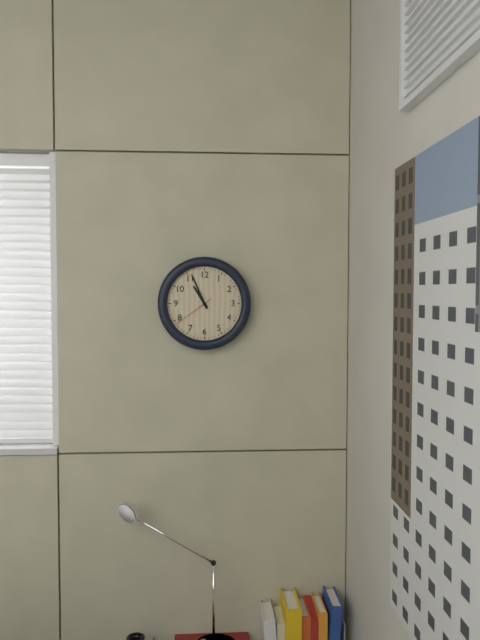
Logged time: 10 h 56 min
